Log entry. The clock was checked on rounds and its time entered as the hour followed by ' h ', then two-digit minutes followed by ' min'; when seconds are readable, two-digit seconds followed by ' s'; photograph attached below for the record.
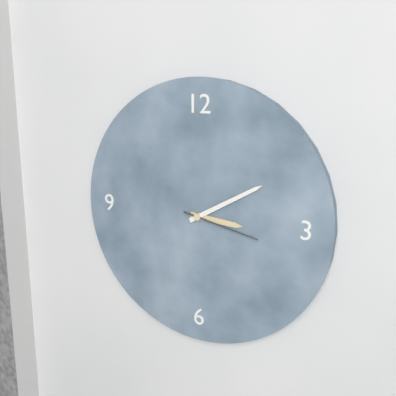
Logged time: 3 h 10 min 17 s
